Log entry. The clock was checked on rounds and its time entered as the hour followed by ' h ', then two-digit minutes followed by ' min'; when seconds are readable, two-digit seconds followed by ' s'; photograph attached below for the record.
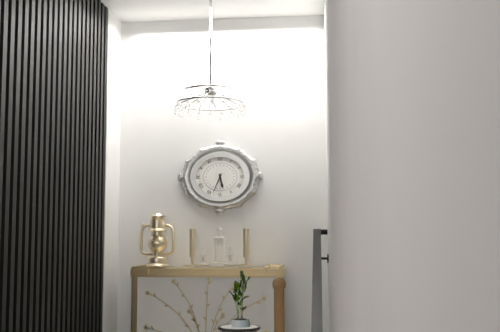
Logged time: 5 h 34 min
